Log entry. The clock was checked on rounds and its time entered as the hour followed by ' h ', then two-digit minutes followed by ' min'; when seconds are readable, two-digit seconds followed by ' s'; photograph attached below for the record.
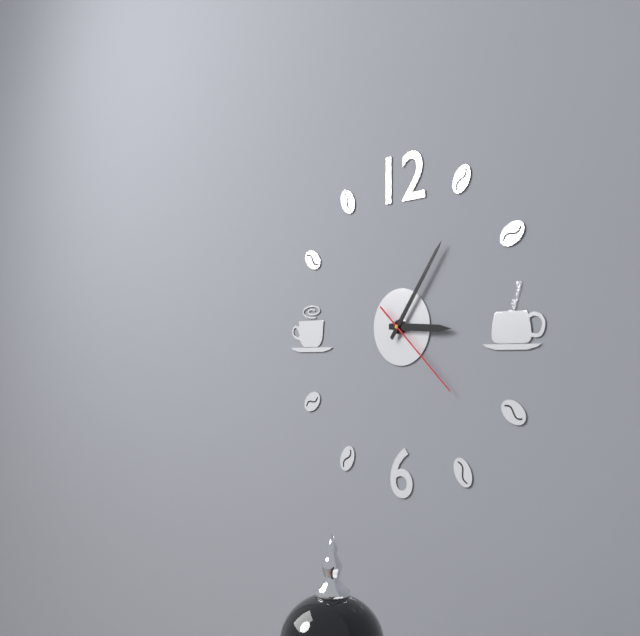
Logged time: 3 h 06 min 22 s
